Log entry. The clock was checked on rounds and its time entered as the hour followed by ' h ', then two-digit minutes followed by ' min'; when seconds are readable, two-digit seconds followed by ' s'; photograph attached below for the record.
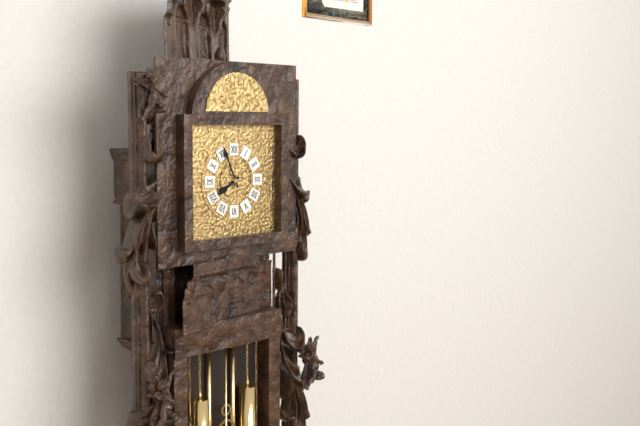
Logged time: 7 h 56 min
